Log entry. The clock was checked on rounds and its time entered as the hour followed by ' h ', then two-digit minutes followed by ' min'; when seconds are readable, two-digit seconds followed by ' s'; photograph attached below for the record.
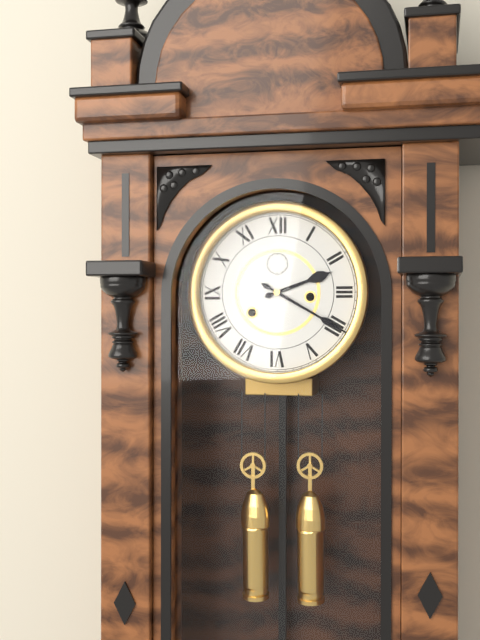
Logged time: 2 h 20 min
